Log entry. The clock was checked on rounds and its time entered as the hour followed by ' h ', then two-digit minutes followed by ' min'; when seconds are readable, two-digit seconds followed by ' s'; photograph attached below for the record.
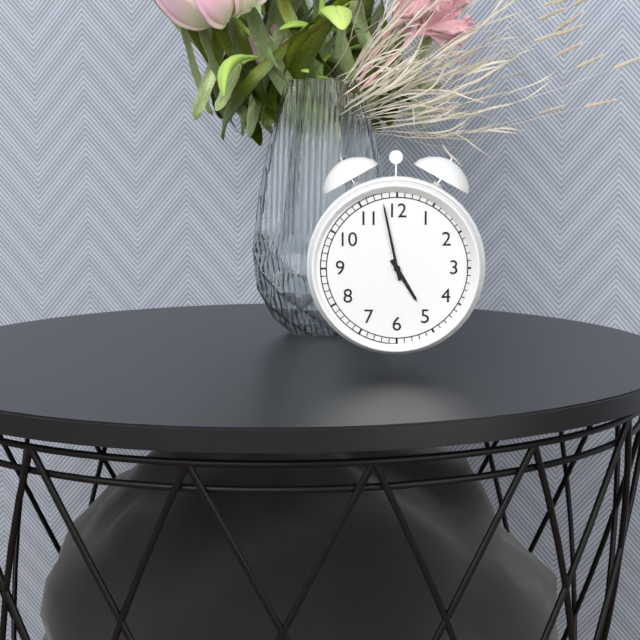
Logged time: 4 h 58 min
